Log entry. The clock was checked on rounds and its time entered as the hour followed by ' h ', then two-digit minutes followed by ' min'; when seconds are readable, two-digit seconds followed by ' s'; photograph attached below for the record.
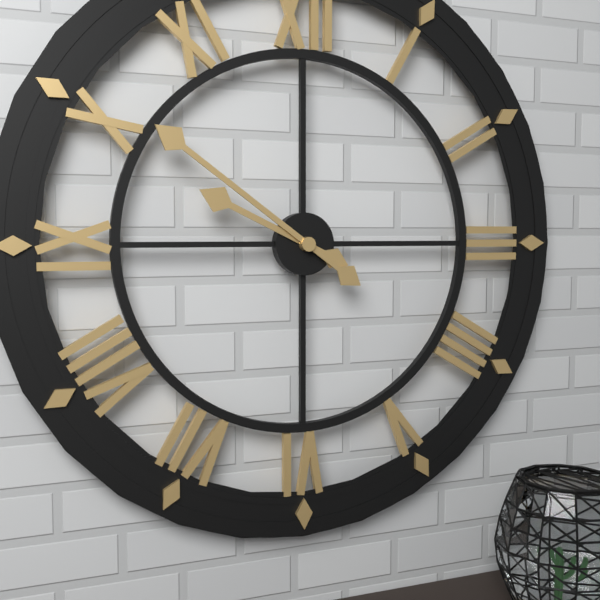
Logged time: 9 h 51 min
